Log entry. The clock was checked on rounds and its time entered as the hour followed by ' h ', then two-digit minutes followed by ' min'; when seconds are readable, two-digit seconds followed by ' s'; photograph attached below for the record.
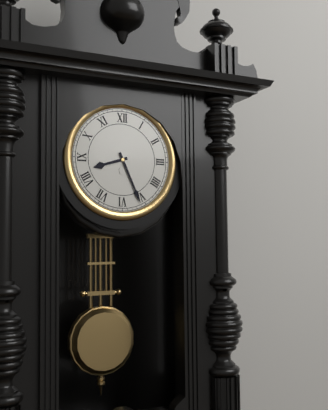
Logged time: 8 h 26 min
